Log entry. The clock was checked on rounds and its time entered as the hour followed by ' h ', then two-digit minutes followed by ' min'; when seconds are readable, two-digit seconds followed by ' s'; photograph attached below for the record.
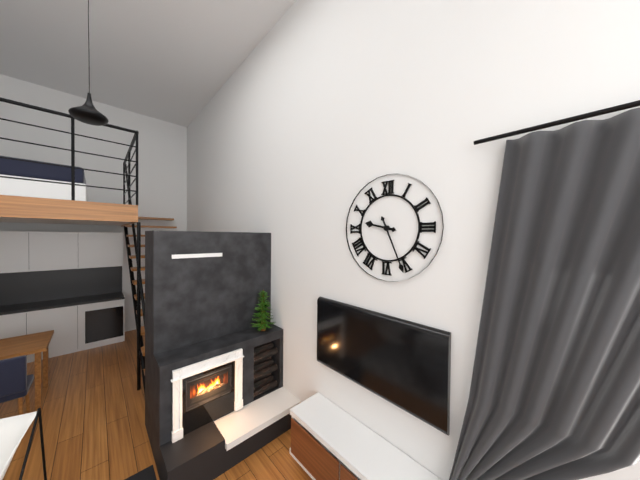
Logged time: 9 h 26 min
